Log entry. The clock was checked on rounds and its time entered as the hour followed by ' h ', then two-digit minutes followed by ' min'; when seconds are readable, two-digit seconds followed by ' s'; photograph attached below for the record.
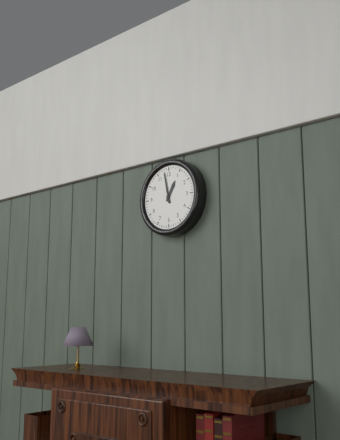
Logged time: 12 h 58 min
